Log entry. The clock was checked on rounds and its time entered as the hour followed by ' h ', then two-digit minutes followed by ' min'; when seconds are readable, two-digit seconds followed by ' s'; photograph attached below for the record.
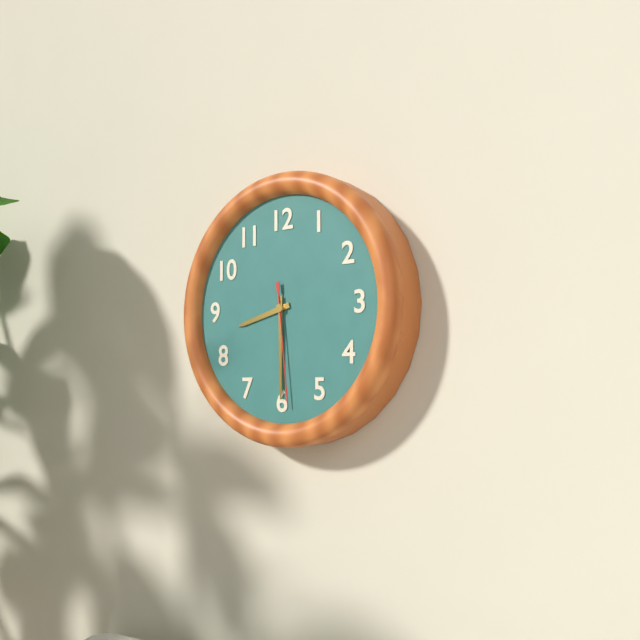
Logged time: 8 h 30 min 29 s
